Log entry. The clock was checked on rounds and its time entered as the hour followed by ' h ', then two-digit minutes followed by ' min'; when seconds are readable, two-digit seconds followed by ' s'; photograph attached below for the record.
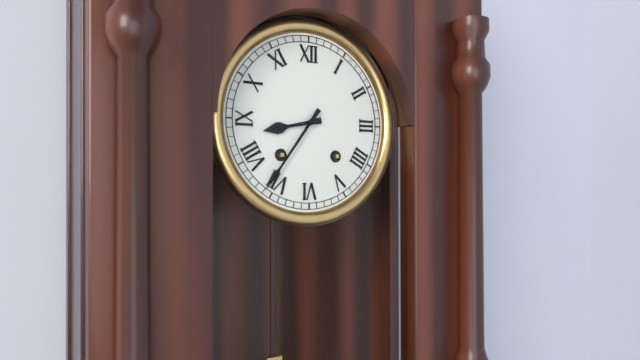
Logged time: 8 h 36 min
